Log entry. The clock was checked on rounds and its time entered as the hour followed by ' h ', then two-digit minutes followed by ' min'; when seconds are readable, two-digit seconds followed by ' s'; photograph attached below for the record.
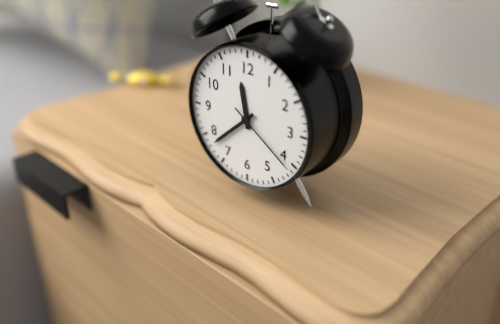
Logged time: 11 h 38 min 21 s
